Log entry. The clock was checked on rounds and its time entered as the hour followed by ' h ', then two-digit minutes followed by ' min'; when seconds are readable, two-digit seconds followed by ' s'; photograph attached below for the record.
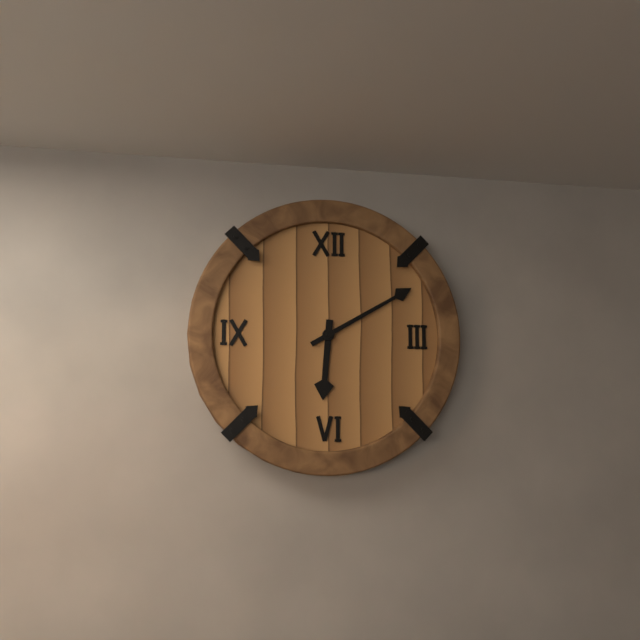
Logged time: 6 h 10 min
